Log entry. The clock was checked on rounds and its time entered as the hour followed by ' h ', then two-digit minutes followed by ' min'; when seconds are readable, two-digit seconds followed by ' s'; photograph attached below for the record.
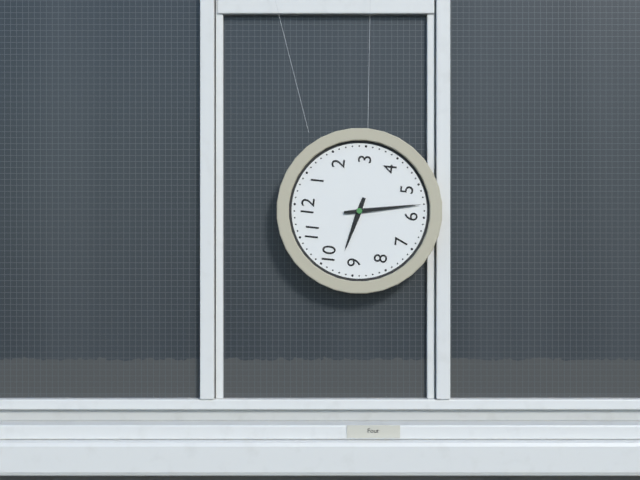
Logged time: 9 h 28 min
